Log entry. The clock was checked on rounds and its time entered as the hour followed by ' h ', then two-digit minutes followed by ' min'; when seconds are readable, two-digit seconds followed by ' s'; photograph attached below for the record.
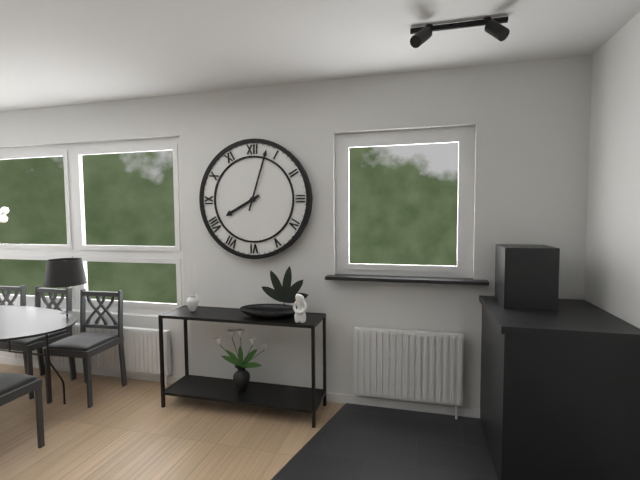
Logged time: 8 h 03 min
